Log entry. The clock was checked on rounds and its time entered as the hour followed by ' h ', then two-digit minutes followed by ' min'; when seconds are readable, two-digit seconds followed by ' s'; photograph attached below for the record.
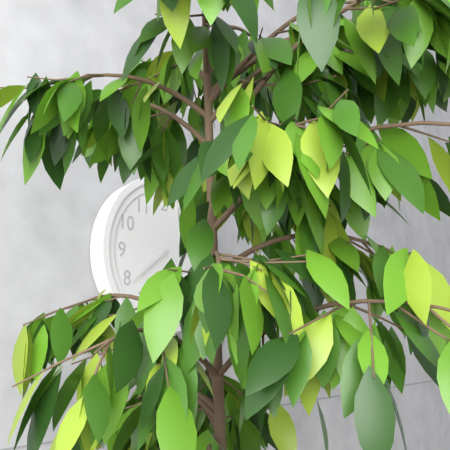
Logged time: 7 h 39 min
